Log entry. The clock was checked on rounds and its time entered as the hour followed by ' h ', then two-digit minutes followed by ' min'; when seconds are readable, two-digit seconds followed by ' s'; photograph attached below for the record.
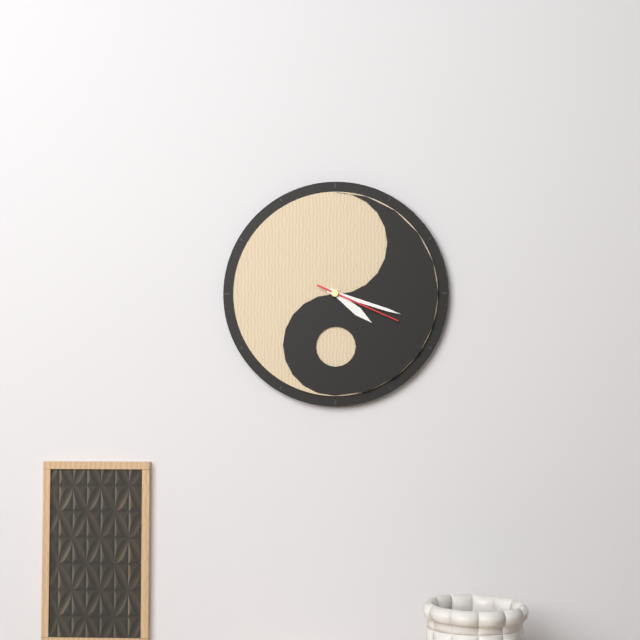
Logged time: 4 h 18 min 19 s
